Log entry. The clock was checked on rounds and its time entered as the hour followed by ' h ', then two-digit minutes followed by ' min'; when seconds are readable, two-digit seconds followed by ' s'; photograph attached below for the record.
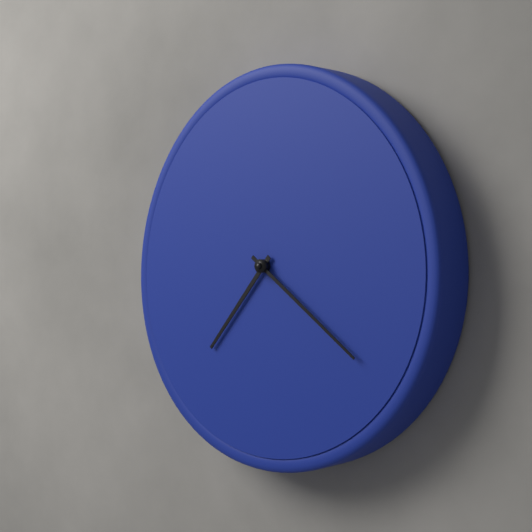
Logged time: 7 h 21 min
